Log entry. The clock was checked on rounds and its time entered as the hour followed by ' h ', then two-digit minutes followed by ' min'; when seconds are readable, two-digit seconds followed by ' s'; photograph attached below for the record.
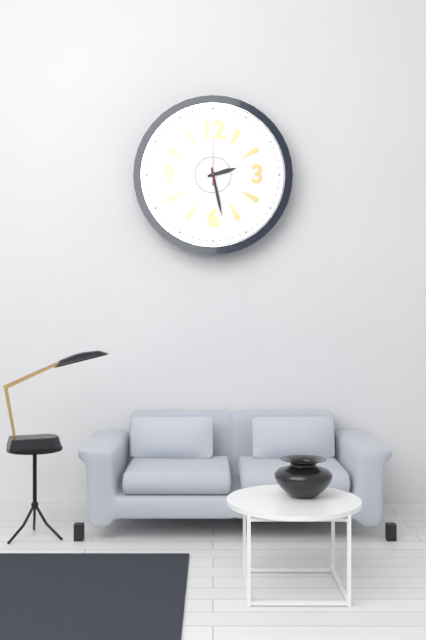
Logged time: 2 h 28 min
